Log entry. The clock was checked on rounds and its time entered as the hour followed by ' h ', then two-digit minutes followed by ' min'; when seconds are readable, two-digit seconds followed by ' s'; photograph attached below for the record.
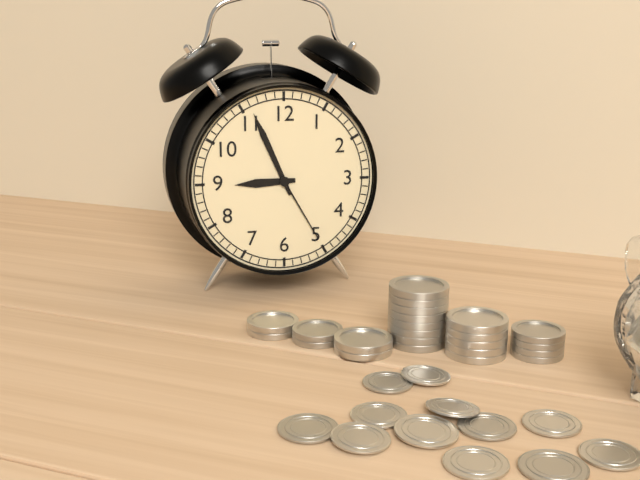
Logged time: 8 h 56 min 25 s
